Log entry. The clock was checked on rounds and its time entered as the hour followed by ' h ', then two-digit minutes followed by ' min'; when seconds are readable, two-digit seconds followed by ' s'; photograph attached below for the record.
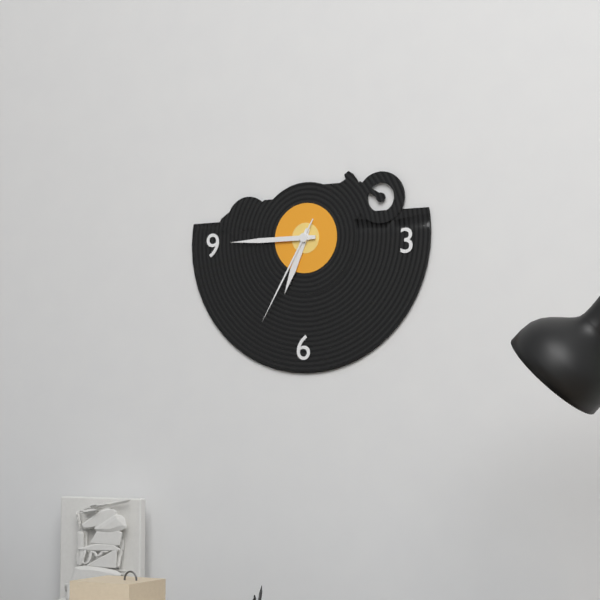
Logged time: 6 h 45 min 35 s
